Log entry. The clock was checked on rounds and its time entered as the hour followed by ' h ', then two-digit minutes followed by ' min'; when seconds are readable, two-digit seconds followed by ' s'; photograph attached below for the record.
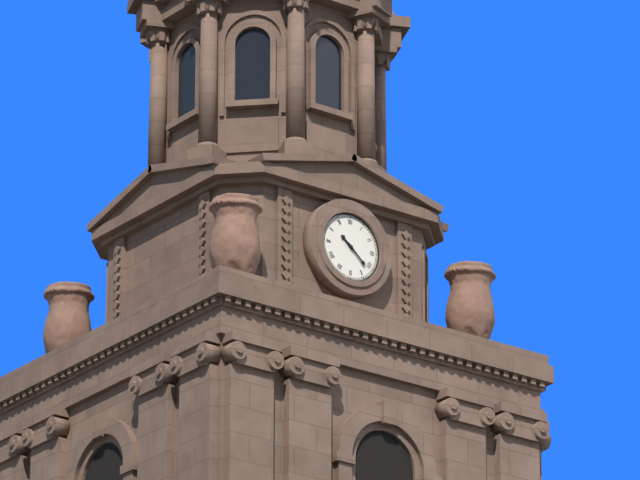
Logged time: 10 h 22 min
